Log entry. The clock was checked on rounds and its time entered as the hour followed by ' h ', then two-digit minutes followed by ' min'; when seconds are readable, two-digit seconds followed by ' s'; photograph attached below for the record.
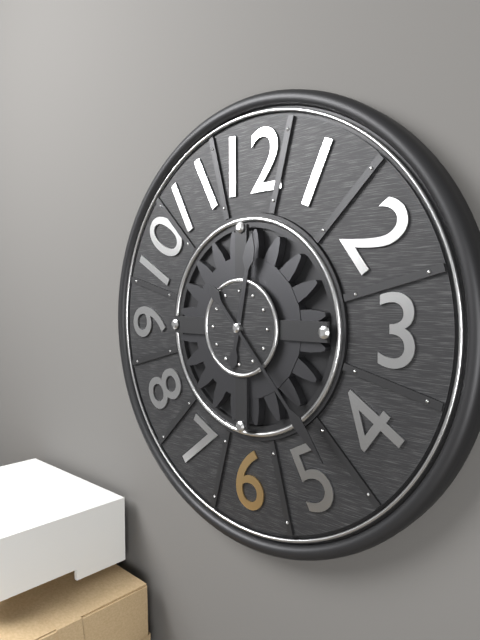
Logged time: 12 h 23 min
